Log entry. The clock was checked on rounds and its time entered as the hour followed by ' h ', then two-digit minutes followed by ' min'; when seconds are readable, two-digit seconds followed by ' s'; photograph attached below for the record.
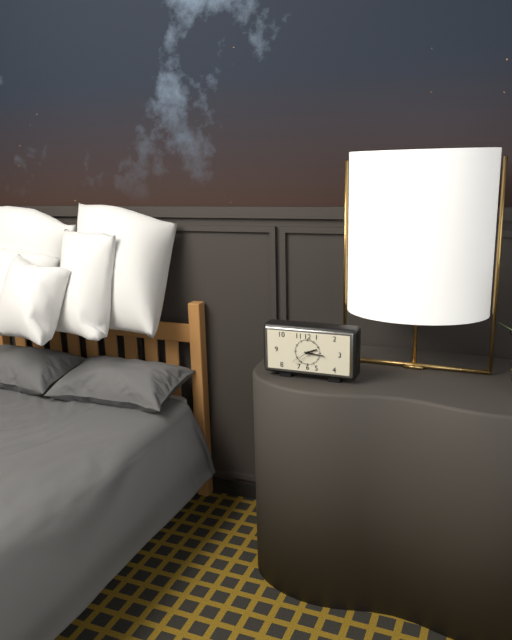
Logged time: 2 h 16 min
